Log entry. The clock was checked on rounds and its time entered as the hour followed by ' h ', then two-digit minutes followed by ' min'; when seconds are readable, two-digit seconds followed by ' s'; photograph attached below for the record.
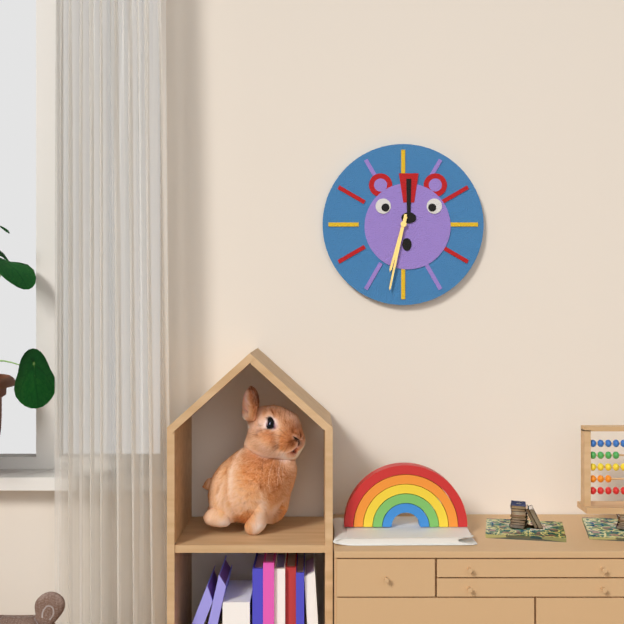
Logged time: 6 h 32 min
